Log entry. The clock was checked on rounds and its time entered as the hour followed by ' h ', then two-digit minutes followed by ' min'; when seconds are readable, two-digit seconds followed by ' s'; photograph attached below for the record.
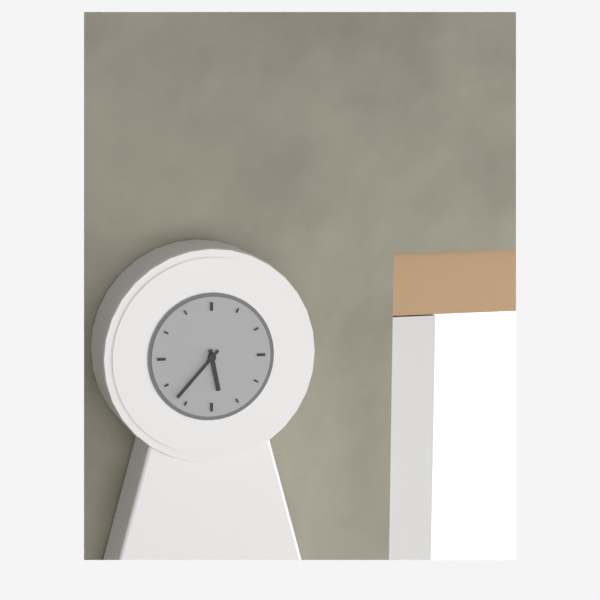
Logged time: 5 h 37 min
